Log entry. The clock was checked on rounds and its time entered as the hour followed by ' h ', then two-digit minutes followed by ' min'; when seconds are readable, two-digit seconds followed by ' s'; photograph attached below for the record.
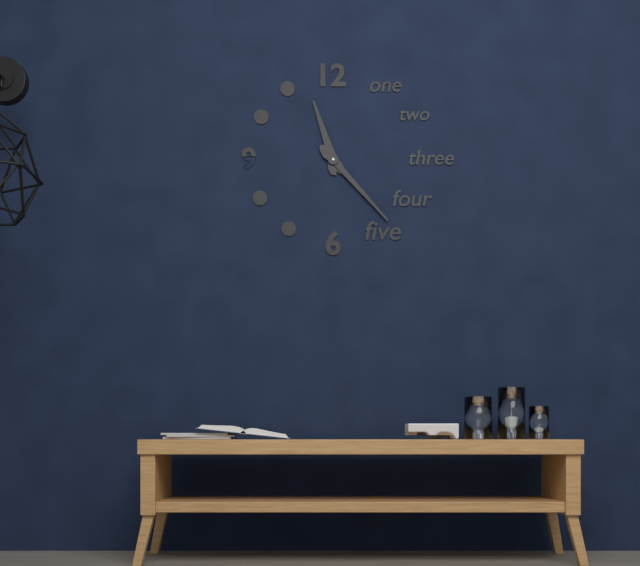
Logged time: 11 h 23 min
